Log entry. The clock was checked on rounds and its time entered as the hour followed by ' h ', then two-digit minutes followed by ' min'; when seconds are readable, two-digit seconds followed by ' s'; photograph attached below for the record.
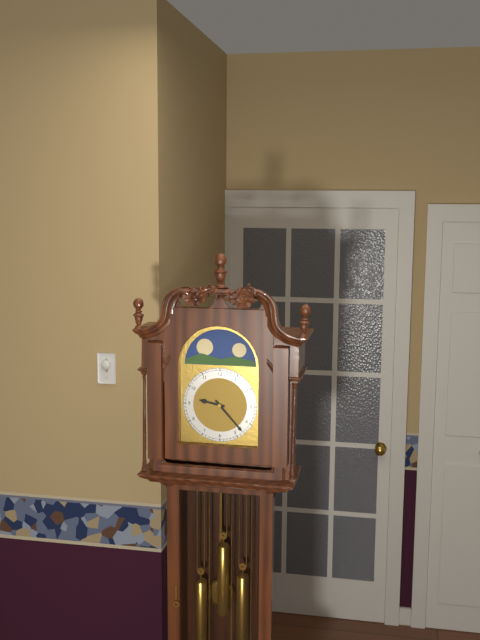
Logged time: 9 h 23 min
